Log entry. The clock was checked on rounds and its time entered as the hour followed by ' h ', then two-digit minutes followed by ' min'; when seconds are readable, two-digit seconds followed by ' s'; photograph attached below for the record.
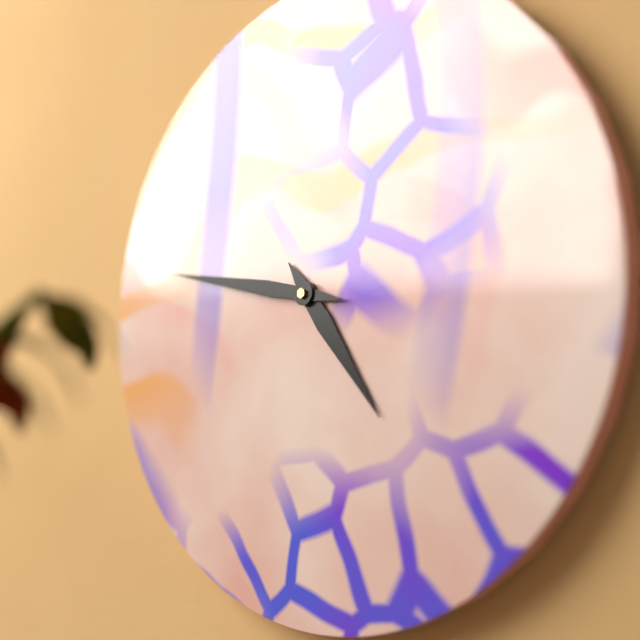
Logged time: 4 h 47 min
